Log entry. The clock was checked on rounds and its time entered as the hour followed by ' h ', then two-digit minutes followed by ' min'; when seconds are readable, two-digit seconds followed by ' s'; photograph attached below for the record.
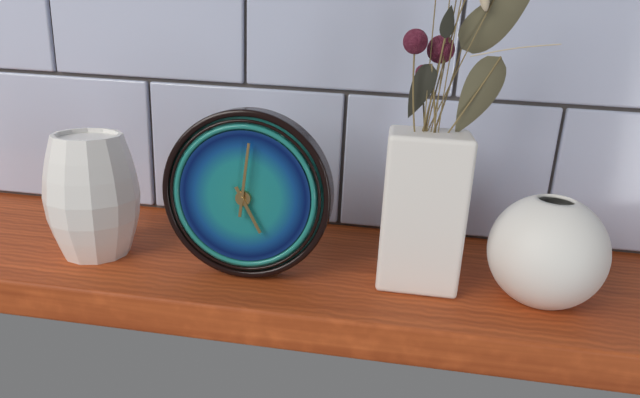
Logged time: 5 h 01 min
